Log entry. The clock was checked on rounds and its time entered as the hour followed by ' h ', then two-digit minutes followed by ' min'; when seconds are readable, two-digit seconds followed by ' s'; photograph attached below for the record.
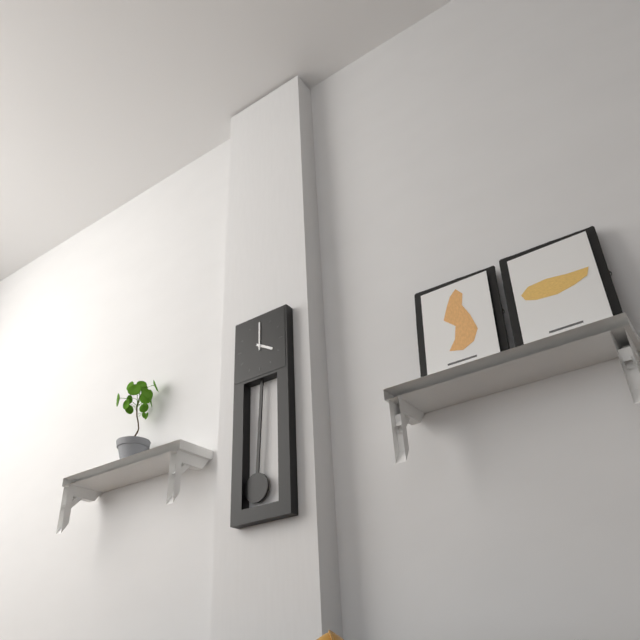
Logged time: 4 h 00 min
